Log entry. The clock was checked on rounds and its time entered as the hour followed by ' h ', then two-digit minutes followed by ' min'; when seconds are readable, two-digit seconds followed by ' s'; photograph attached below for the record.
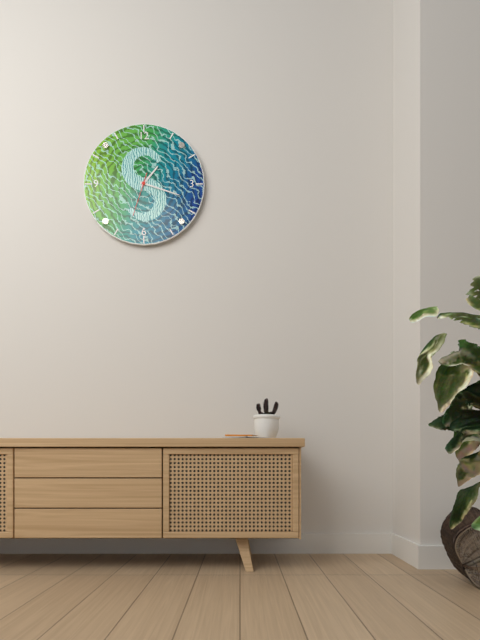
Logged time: 1 h 18 min
